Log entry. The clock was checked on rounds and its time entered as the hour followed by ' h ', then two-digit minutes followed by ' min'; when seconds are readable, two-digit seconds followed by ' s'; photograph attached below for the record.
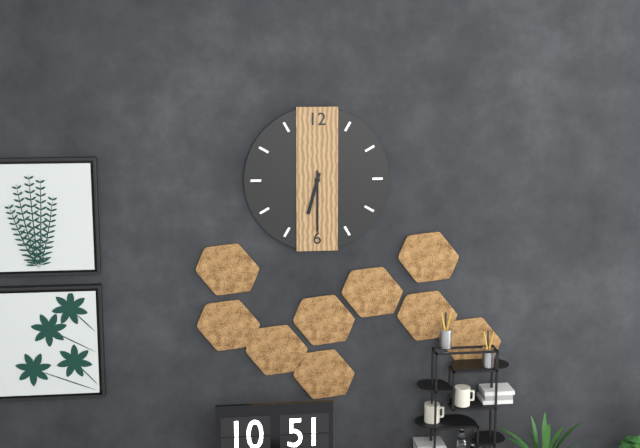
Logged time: 6 h 30 min
